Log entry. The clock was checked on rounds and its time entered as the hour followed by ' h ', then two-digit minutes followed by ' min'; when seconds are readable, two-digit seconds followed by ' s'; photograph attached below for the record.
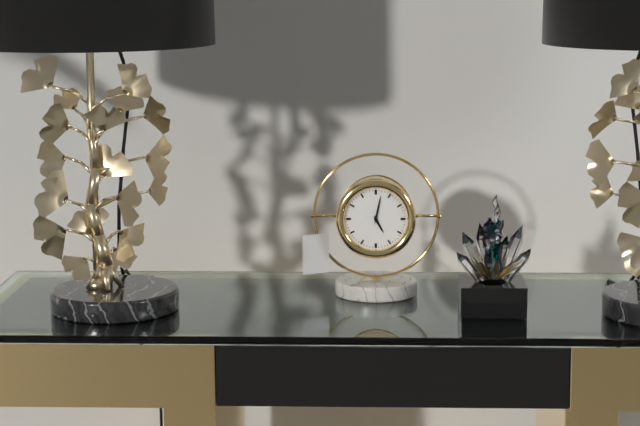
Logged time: 5 h 02 min
